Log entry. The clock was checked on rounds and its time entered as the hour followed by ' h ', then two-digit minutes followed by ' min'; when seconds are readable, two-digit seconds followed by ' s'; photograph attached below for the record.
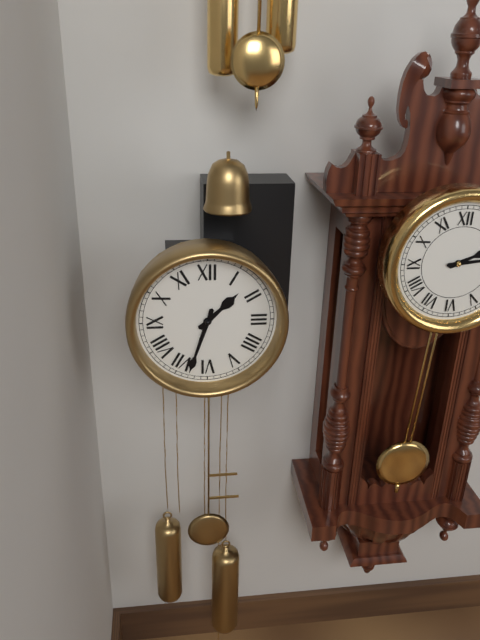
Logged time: 1 h 33 min
